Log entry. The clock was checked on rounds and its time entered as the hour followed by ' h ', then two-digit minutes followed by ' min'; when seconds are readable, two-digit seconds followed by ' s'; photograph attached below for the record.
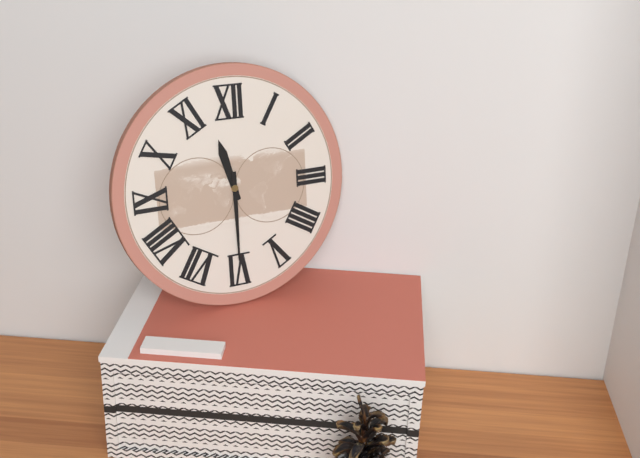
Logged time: 11 h 30 min
